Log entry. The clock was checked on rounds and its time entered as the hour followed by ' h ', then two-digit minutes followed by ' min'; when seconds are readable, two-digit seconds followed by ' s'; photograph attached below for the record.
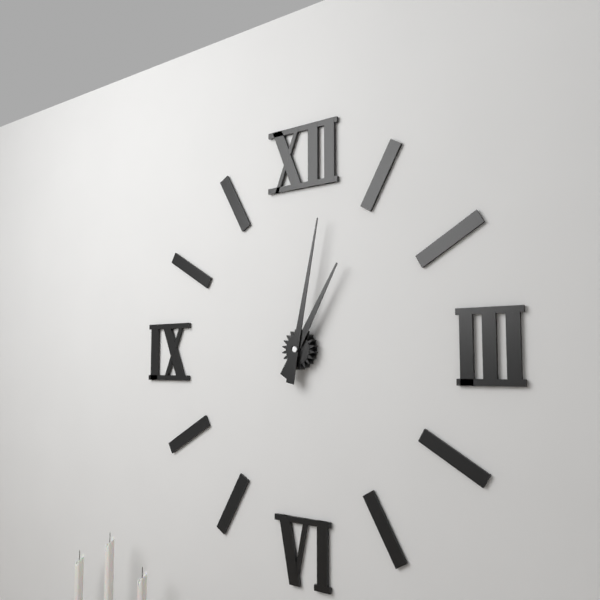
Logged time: 1 h 02 min
